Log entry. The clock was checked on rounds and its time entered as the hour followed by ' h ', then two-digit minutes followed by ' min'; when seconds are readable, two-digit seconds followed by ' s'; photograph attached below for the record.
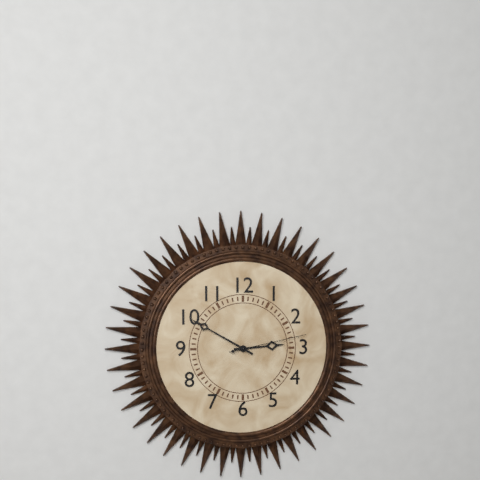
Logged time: 2 h 50 min 13 s
